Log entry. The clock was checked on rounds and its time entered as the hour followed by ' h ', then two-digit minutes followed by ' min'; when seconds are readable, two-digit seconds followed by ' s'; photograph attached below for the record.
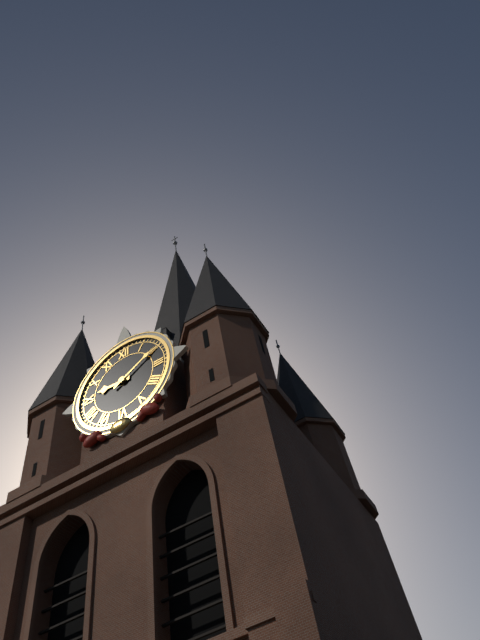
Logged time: 9 h 10 min
